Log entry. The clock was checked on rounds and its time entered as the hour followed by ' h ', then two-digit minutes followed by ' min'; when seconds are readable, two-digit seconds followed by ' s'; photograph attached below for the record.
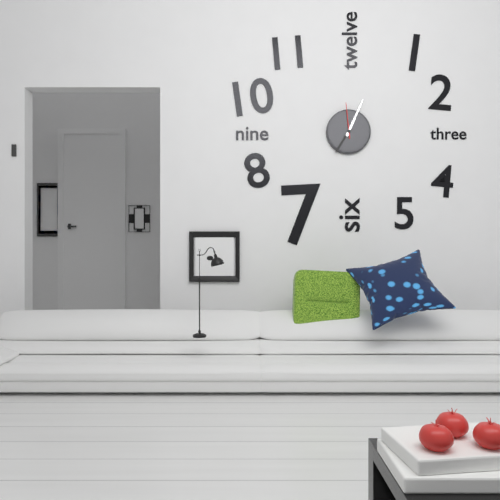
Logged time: 7 h 04 min
